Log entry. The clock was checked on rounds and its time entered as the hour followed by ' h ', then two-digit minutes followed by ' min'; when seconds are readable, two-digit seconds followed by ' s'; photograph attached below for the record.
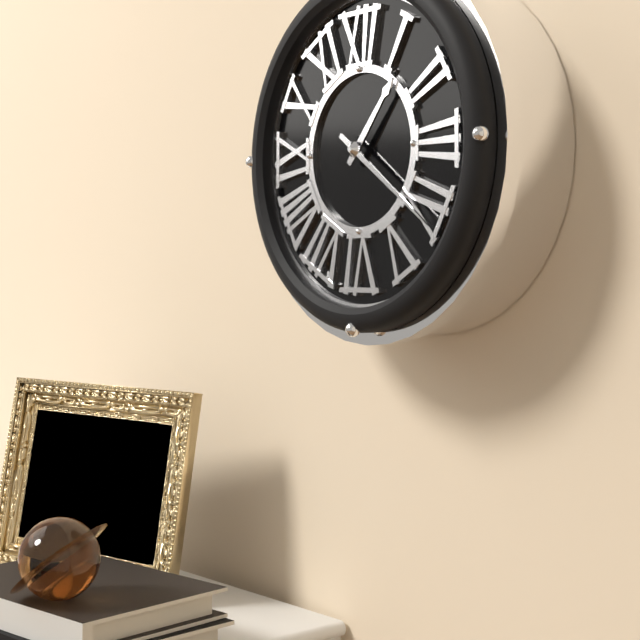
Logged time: 1 h 21 min
